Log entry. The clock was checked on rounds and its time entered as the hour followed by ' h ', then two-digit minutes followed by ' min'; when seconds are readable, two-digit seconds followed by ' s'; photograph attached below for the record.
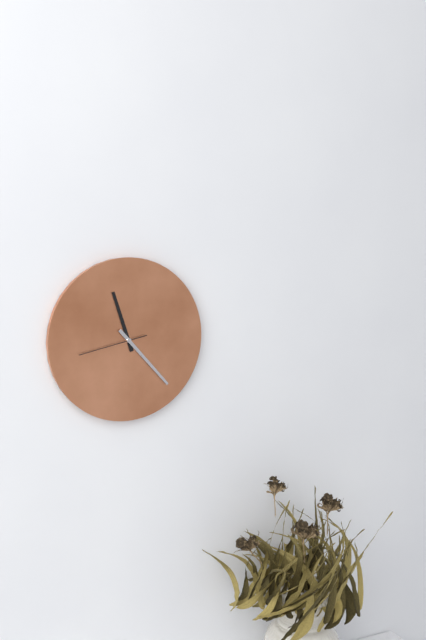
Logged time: 11 h 23 min 43 s
